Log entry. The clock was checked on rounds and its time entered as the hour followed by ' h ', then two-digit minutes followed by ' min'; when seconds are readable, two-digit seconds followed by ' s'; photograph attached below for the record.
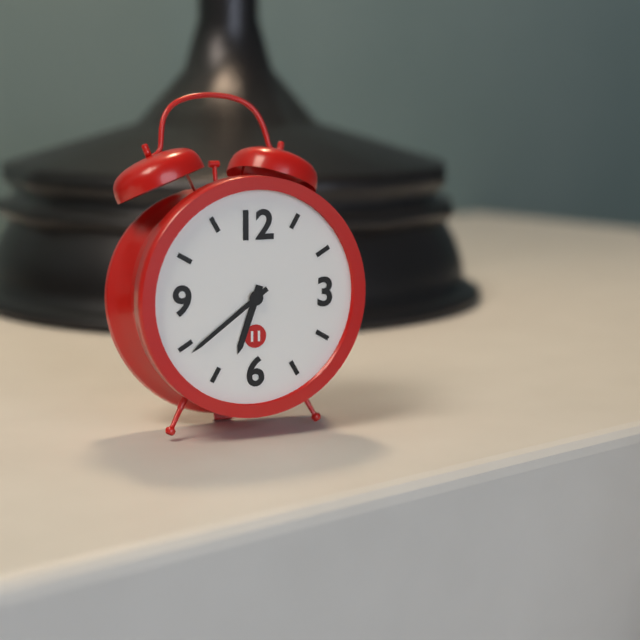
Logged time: 6 h 39 min
